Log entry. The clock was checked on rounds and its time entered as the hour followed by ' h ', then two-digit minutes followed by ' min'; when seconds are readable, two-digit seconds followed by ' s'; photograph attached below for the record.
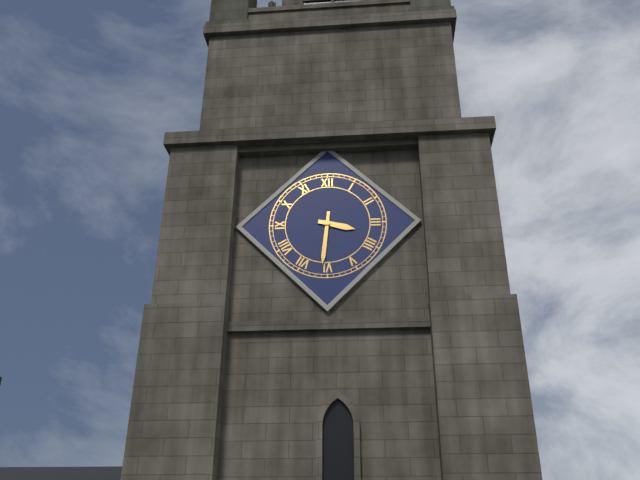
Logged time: 3 h 31 min
